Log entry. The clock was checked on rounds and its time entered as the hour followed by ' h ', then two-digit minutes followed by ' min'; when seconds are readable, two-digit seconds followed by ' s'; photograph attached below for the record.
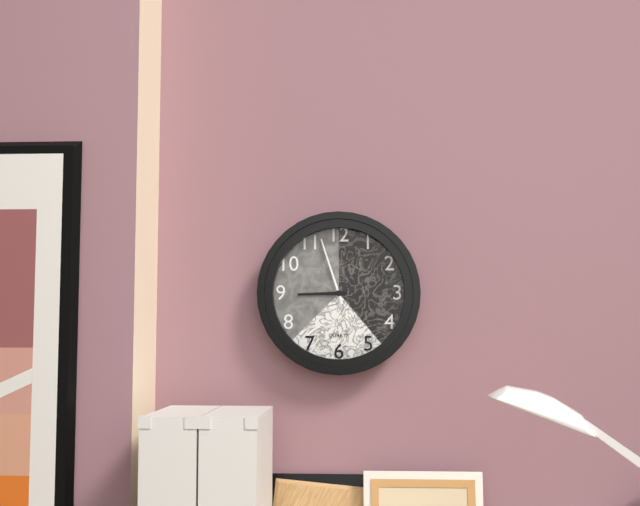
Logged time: 8 h 57 min
